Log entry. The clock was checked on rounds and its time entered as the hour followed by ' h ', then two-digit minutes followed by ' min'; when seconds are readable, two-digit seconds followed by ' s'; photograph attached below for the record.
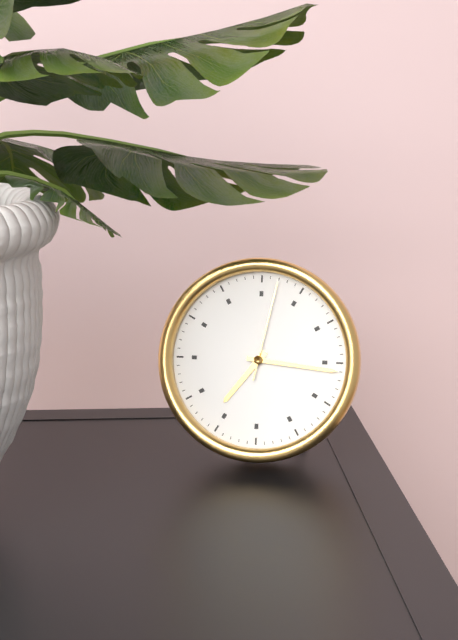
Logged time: 7 h 16 min 02 s
